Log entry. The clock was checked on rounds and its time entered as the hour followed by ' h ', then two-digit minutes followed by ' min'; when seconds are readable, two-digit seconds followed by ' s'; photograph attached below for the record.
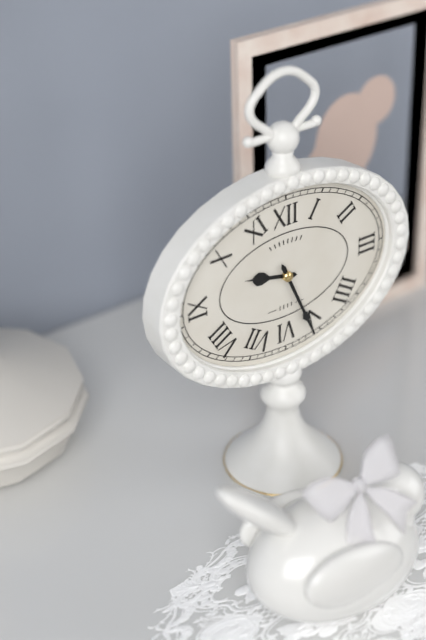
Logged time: 9 h 26 min
